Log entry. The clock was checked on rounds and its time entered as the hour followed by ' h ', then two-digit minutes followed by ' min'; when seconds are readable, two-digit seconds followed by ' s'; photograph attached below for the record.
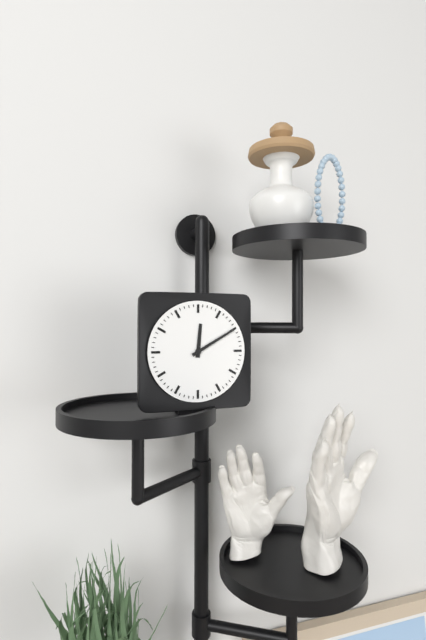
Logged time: 12 h 10 min
